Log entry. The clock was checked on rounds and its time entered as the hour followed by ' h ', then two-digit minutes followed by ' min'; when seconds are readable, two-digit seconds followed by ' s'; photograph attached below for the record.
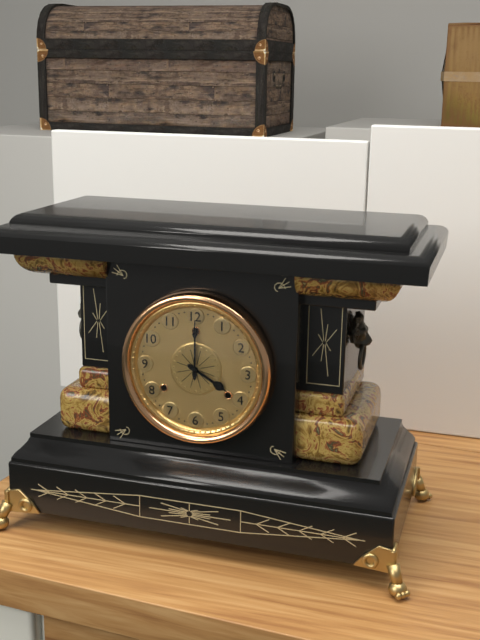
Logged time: 4 h 00 min
